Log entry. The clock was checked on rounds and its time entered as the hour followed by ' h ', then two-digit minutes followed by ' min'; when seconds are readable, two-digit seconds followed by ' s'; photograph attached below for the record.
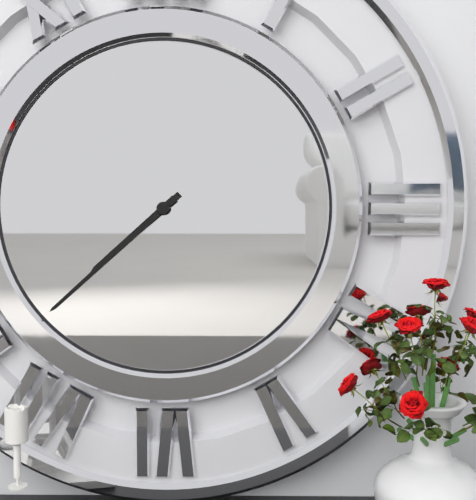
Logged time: 7 h 38 min
